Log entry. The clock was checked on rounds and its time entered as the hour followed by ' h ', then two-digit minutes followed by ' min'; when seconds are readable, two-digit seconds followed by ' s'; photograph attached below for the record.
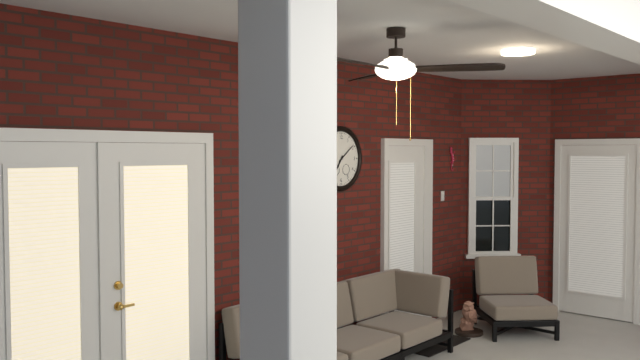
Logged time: 7 h 09 min
